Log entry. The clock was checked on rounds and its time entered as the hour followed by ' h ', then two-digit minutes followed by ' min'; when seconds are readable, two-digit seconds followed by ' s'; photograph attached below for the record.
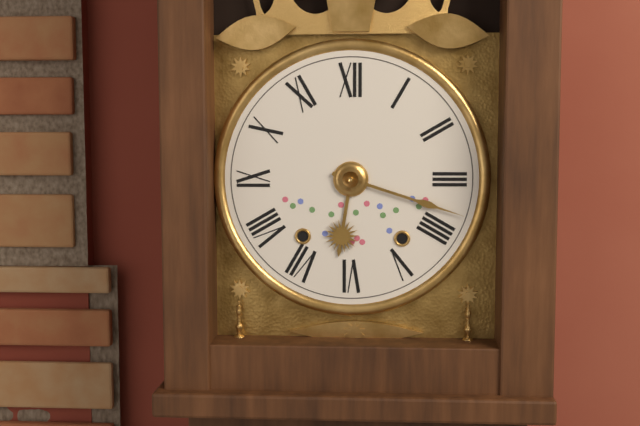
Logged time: 6 h 18 min
